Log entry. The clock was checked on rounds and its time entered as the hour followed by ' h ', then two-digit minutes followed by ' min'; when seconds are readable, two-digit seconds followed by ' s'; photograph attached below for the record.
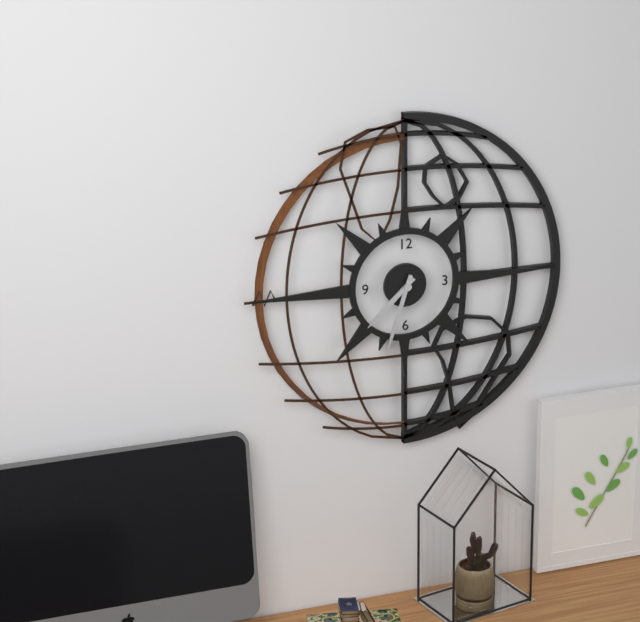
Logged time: 7 h 33 min
